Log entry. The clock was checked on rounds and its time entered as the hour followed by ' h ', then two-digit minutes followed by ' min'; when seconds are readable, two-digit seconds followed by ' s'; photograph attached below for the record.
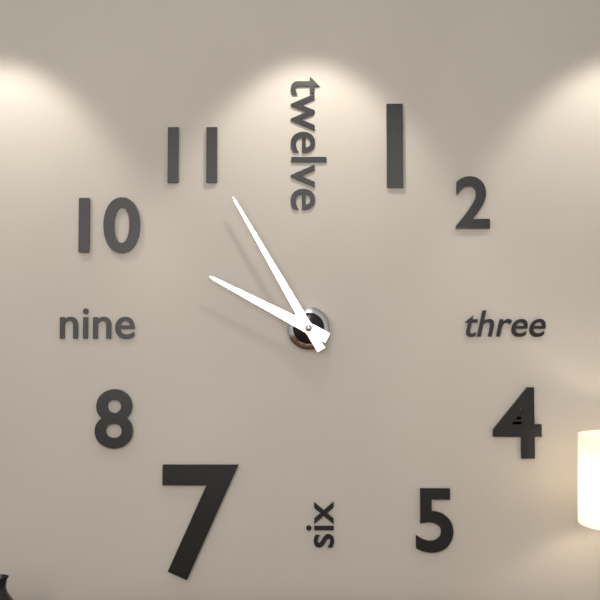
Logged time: 9 h 55 min
